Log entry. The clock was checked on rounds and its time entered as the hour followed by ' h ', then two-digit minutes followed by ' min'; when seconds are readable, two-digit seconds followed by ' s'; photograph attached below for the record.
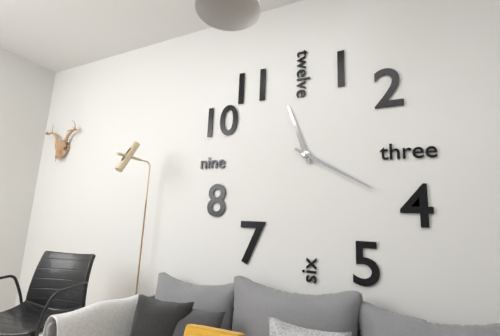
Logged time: 11 h 20 min
